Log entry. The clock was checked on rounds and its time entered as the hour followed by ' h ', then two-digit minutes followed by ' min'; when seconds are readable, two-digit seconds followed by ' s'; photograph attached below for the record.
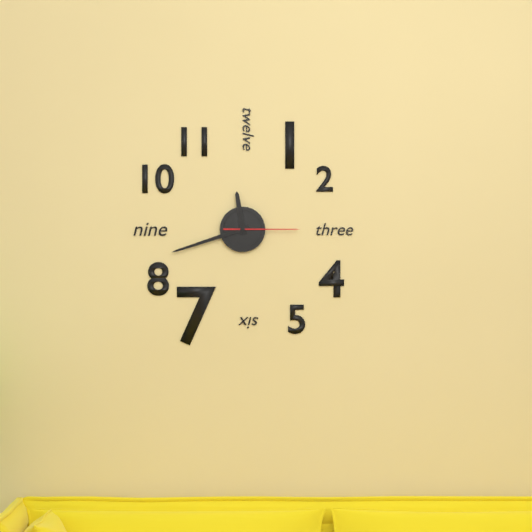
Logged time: 11 h 42 min 15 s
